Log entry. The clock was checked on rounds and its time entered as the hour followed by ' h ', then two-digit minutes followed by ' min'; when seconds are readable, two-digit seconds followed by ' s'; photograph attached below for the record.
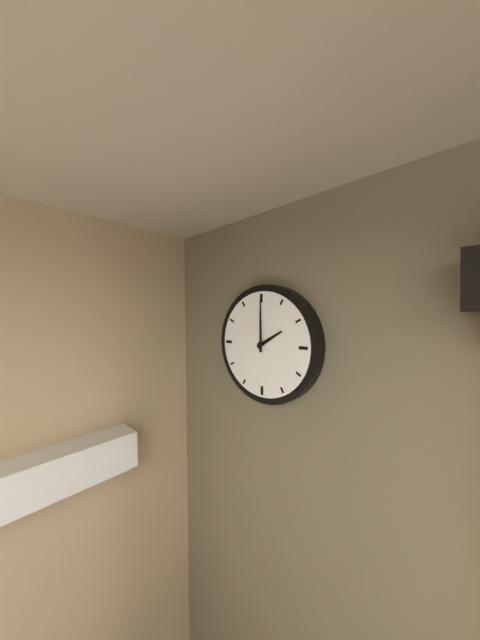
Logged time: 2 h 00 min
